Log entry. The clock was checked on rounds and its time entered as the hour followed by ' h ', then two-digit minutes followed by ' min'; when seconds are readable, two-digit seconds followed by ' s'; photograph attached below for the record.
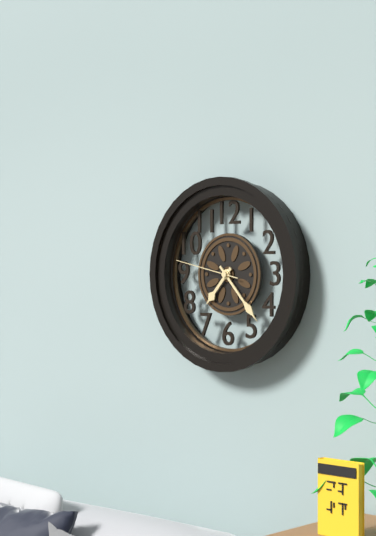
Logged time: 7 h 23 min 47 s
